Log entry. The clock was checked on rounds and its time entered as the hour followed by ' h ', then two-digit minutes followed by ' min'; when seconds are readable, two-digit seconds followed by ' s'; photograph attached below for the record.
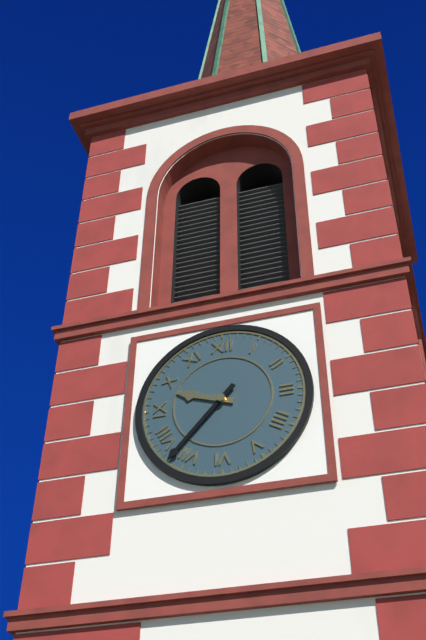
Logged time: 9 h 37 min
